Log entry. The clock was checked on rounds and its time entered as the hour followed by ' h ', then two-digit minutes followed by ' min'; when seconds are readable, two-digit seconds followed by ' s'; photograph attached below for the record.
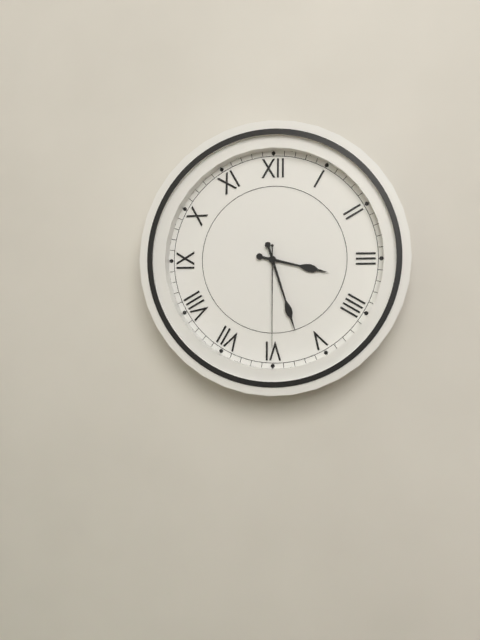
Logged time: 3 h 27 min 30 s
